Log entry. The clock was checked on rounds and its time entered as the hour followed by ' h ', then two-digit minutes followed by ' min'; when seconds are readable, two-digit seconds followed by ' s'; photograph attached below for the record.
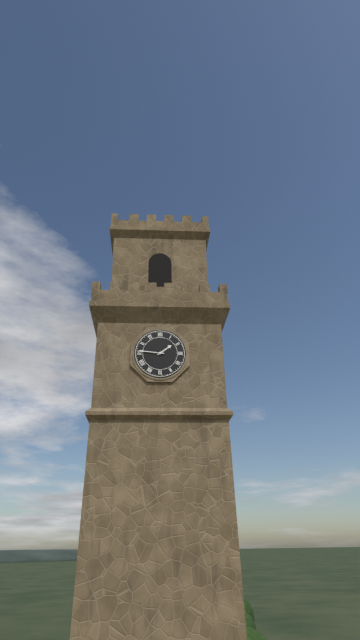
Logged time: 1 h 46 min
